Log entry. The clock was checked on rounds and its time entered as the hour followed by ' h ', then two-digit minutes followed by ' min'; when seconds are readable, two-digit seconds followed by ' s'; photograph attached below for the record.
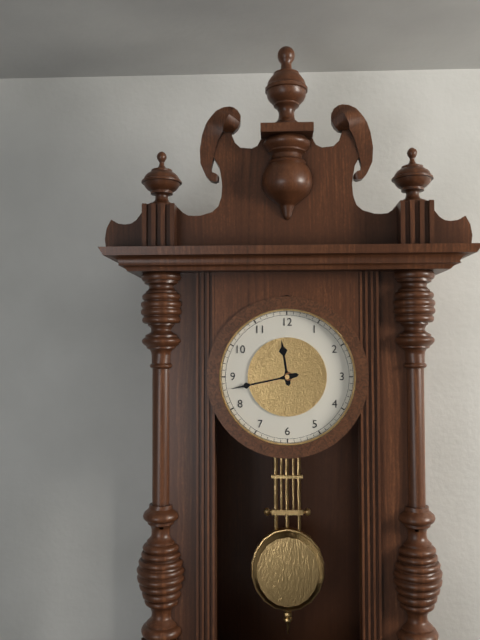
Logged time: 11 h 43 min
